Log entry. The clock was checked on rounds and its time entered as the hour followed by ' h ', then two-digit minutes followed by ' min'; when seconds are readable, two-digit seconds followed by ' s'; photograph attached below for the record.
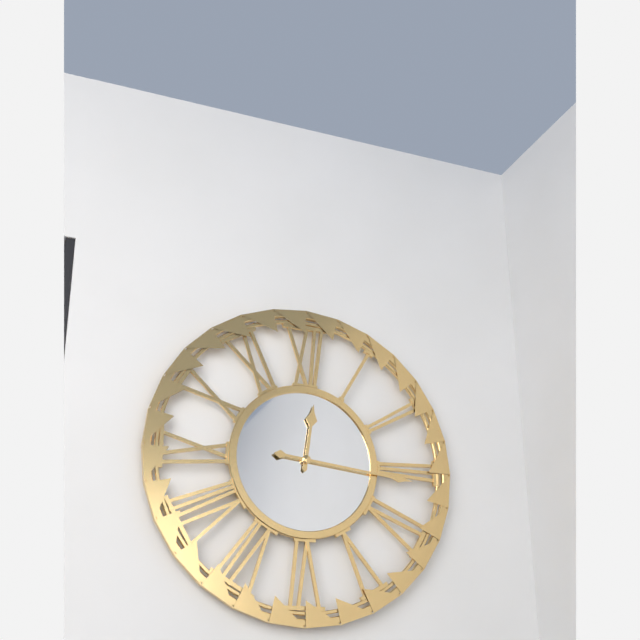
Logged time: 12 h 16 min
